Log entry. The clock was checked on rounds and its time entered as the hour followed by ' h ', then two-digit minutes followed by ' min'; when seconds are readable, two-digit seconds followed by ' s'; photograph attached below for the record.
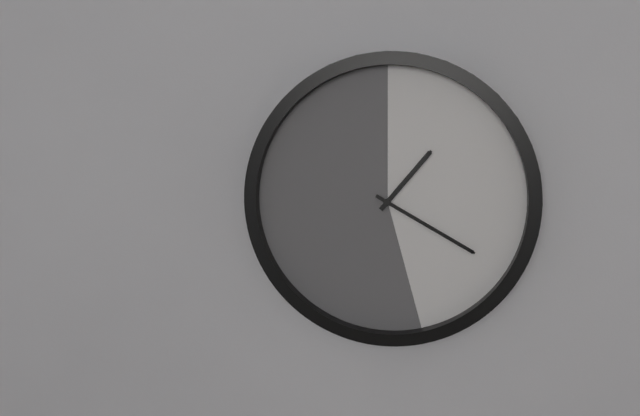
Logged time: 1 h 20 min
